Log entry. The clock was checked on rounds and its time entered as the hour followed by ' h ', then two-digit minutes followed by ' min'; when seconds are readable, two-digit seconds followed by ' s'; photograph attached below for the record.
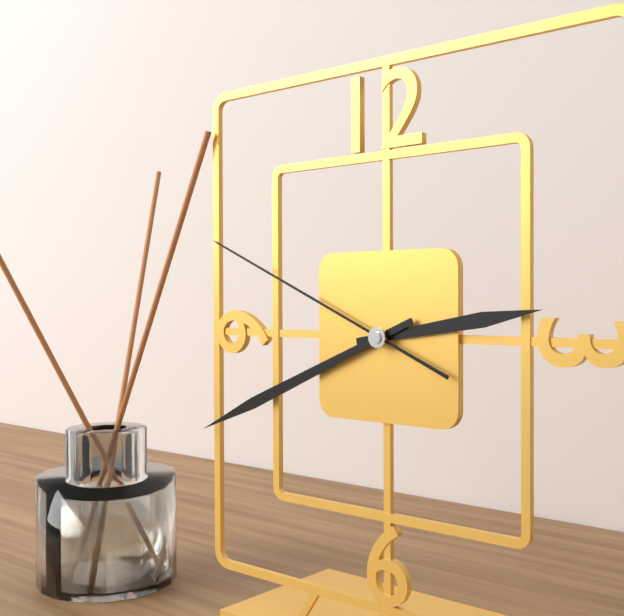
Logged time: 2 h 41 min 49 s
